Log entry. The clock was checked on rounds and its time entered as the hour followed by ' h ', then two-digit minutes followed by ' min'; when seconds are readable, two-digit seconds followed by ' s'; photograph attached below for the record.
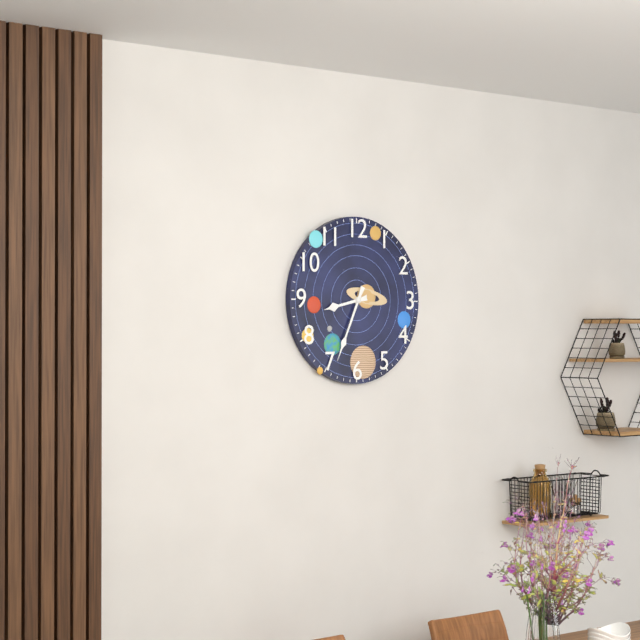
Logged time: 8 h 34 min
